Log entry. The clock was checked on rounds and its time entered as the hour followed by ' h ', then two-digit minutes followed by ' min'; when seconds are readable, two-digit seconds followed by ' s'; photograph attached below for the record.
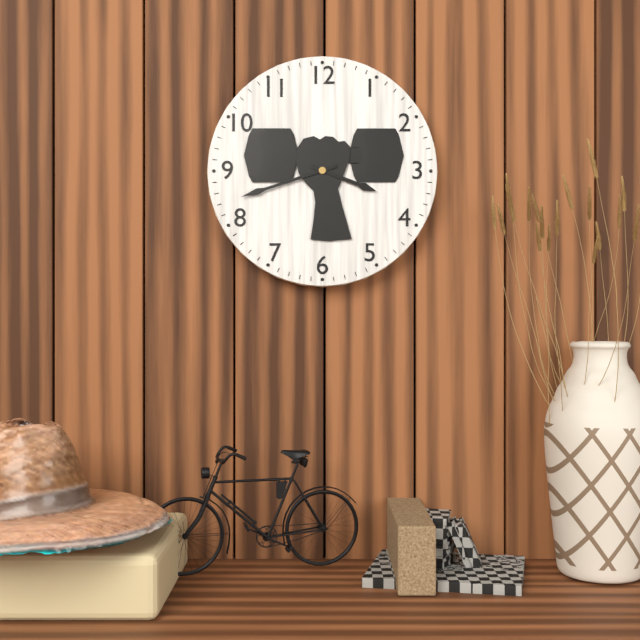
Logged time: 3 h 42 min
